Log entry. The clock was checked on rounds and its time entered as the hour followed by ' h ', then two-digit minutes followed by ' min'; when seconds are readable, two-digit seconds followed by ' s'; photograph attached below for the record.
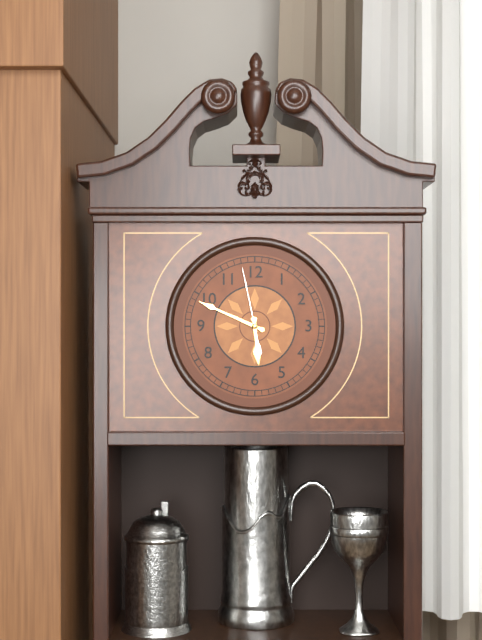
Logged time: 5 h 49 min 58 s
